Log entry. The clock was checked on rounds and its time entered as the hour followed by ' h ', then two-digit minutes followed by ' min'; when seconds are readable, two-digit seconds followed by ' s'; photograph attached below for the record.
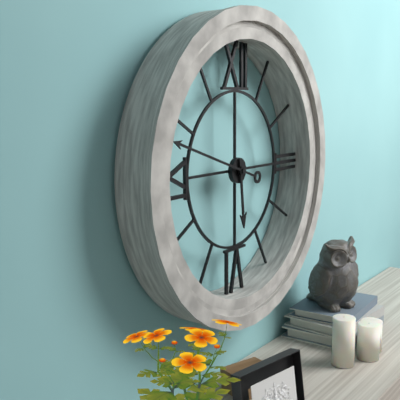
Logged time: 5 h 48 min
